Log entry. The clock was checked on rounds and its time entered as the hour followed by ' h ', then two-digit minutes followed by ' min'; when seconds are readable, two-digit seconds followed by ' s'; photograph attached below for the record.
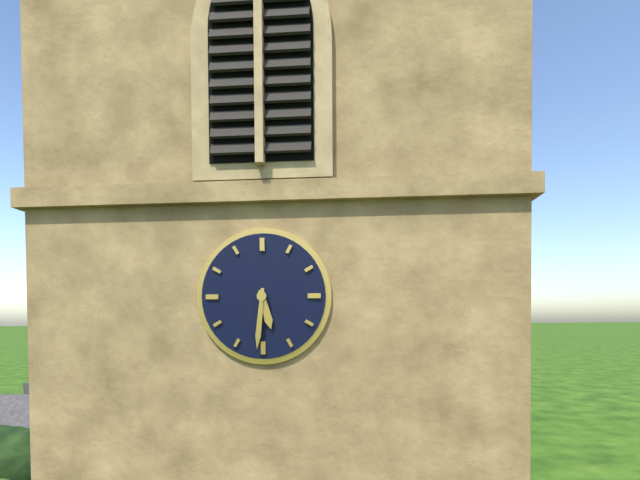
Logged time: 5 h 31 min
